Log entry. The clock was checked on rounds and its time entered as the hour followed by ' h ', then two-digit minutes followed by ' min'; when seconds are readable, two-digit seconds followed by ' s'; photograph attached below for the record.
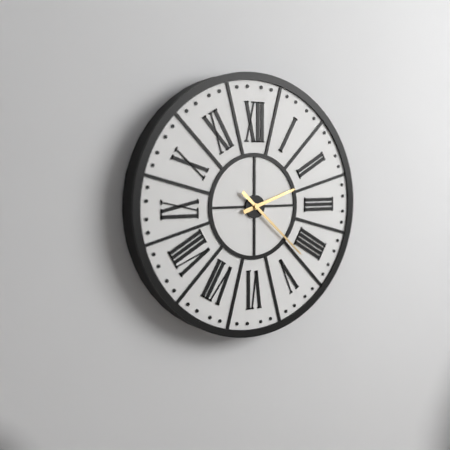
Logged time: 2 h 22 min
